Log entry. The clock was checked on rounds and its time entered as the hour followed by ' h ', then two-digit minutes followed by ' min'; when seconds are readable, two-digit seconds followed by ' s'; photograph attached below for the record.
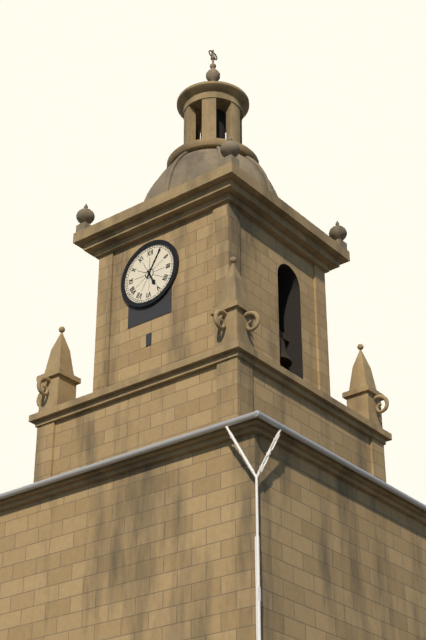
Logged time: 5 h 05 min
